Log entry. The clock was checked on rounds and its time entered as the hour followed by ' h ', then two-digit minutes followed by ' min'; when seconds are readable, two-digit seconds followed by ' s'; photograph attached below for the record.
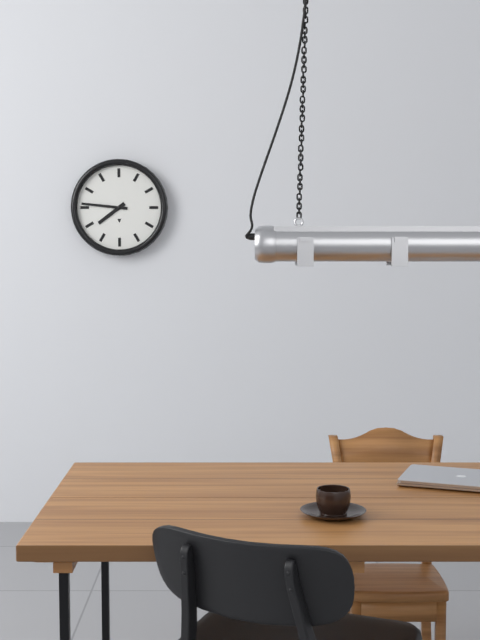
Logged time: 7 h 46 min
